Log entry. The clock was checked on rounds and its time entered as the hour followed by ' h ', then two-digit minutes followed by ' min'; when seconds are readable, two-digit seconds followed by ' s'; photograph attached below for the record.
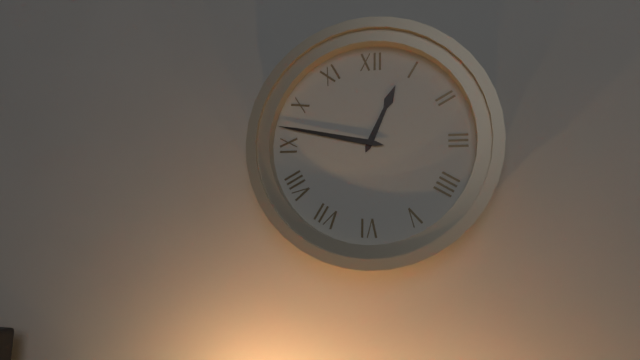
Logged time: 12 h 47 min
